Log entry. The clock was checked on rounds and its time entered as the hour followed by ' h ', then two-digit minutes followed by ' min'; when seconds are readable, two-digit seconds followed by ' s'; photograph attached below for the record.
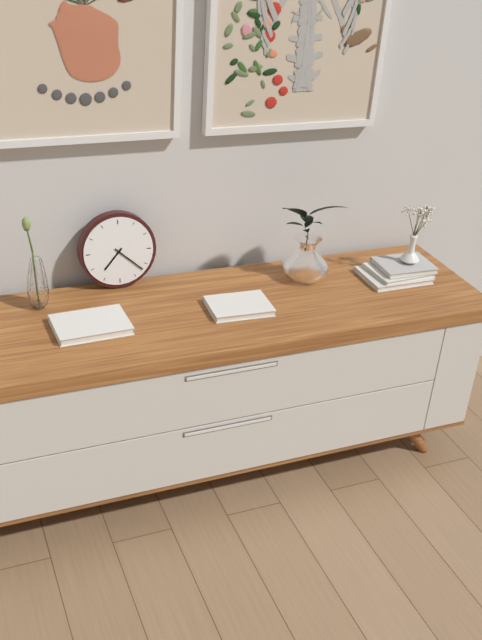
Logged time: 7 h 22 min
